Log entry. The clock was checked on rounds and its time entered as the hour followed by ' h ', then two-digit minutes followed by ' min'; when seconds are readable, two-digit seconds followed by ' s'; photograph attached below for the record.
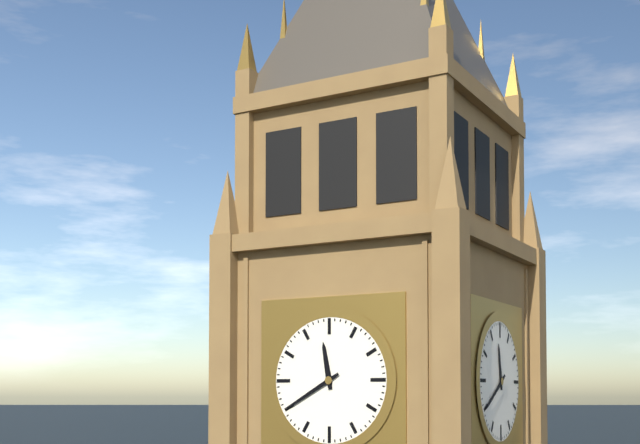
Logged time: 11 h 40 min
